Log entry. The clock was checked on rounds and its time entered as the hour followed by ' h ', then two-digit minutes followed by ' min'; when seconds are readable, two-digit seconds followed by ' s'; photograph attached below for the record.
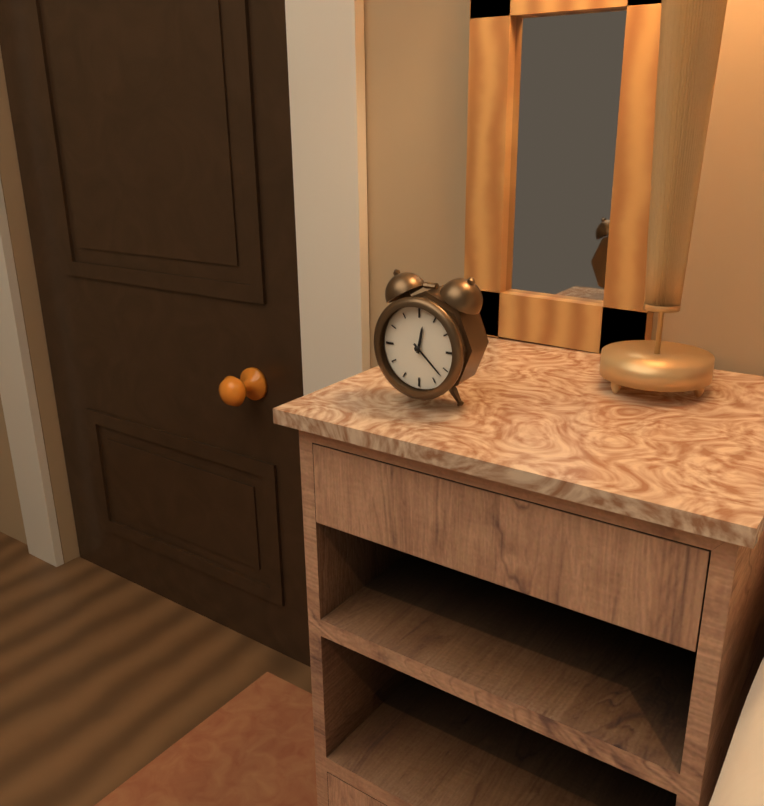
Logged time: 12 h 22 min
